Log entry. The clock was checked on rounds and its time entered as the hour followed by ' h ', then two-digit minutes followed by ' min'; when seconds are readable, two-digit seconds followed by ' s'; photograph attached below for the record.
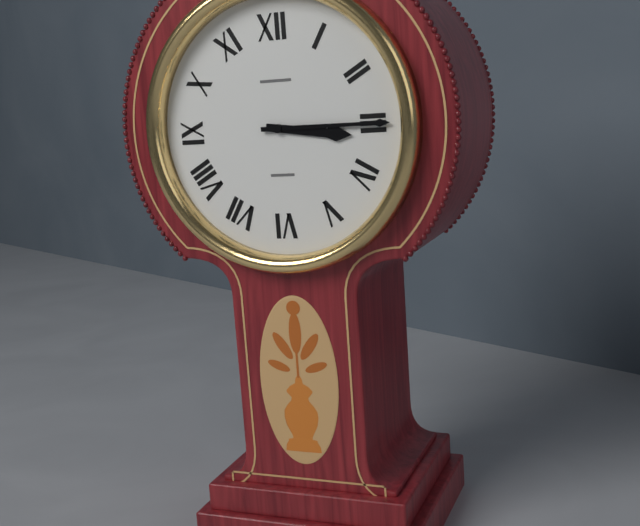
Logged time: 3 h 15 min
